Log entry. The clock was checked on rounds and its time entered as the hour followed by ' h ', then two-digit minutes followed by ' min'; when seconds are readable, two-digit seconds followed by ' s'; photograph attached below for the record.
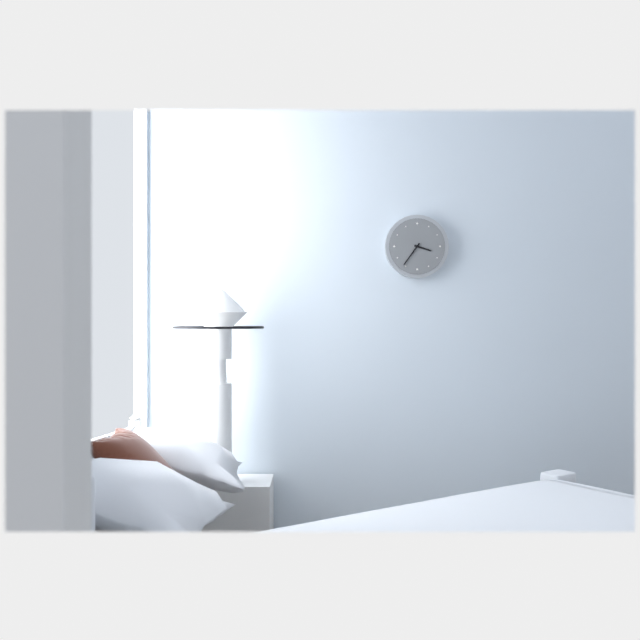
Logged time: 3 h 36 min
